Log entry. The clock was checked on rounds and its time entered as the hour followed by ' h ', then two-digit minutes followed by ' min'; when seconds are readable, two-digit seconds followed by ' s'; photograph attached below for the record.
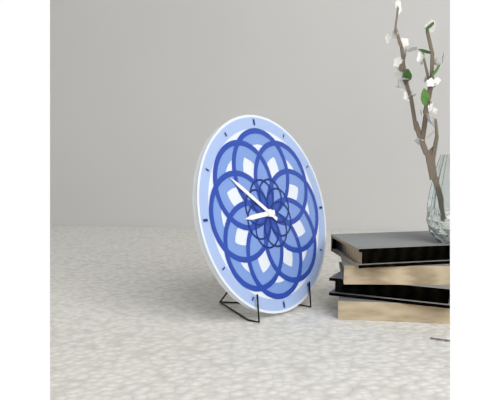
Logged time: 8 h 51 min
